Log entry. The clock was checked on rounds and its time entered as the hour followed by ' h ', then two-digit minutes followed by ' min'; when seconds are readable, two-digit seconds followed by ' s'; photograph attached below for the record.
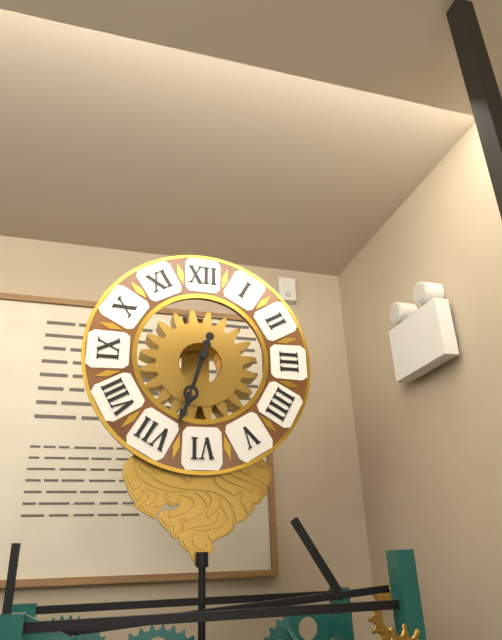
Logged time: 6 h 33 min
